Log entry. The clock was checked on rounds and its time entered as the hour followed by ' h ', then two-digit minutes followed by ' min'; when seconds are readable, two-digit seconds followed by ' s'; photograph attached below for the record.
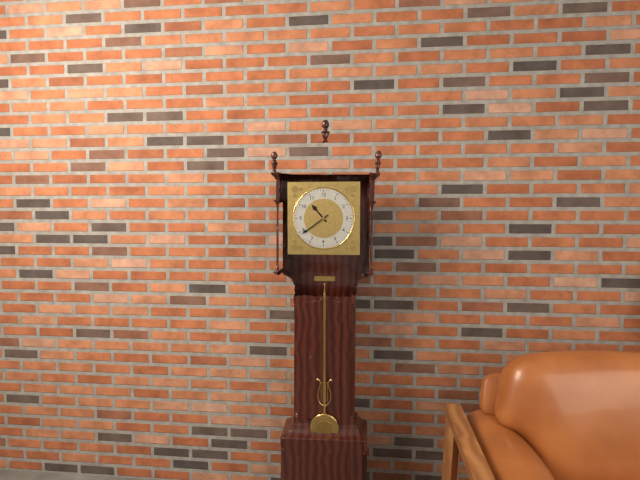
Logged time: 10 h 39 min
